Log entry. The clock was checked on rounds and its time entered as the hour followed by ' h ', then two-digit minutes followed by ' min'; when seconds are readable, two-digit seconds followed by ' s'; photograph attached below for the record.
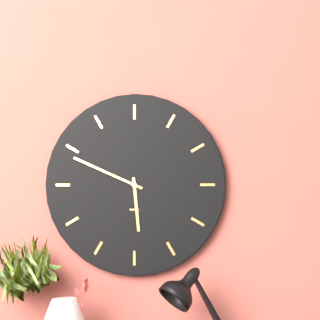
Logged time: 5 h 49 min
